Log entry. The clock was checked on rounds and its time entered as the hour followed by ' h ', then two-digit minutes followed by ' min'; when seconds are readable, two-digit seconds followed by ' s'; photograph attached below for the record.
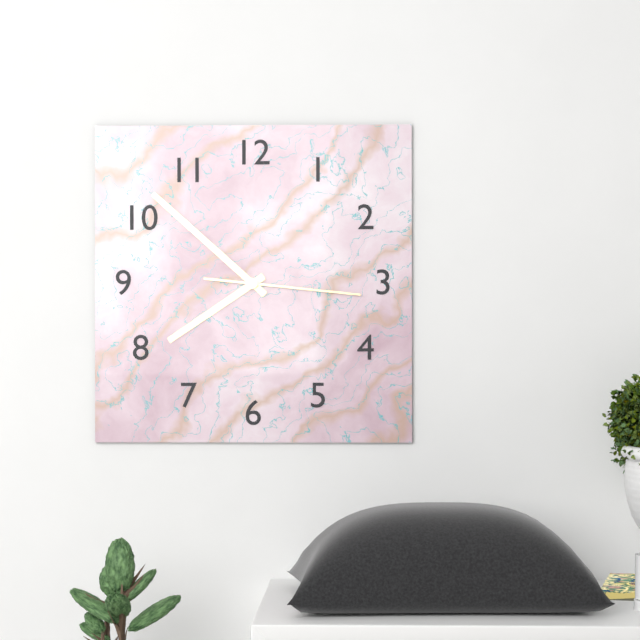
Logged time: 7 h 52 min 16 s
